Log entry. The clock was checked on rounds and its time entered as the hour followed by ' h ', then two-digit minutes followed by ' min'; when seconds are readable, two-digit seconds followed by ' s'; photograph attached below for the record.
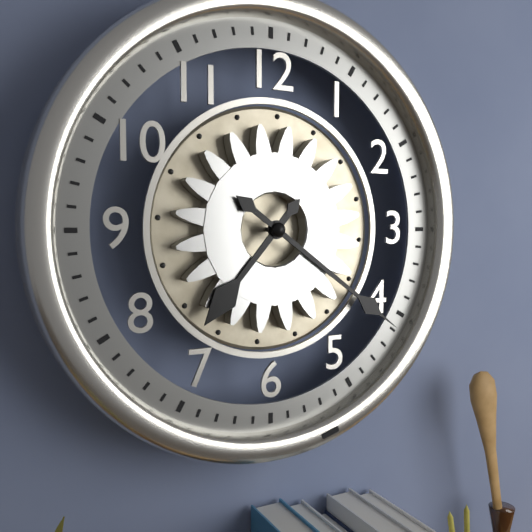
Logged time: 7 h 21 min
